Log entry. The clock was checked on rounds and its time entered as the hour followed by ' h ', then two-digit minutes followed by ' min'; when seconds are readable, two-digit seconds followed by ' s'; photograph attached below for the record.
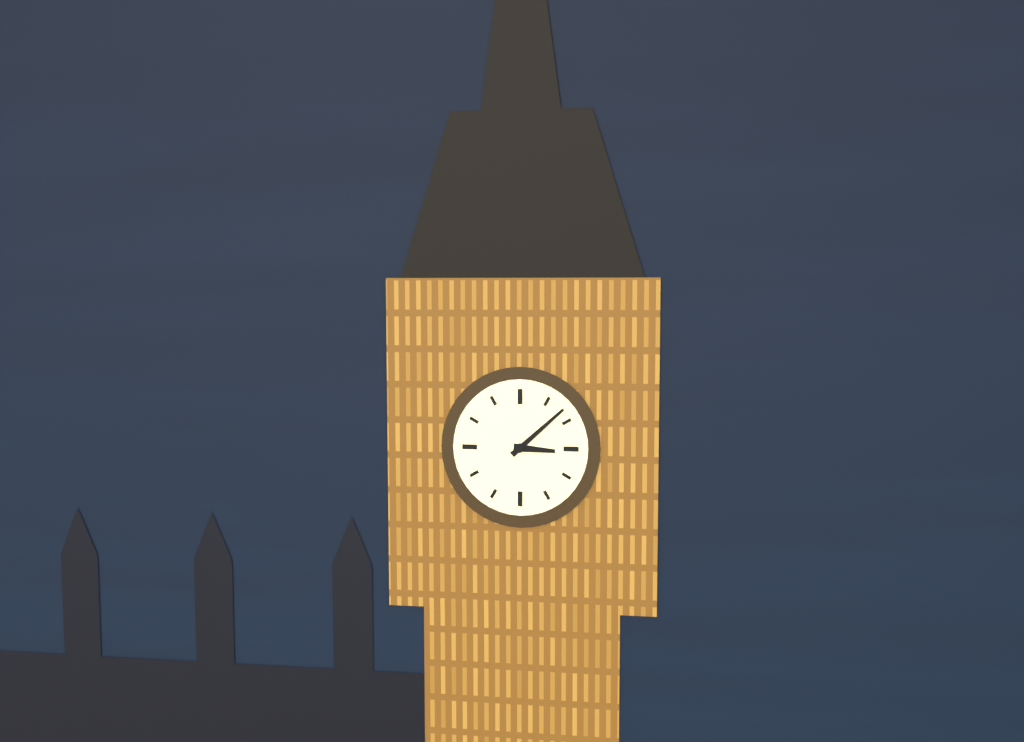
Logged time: 3 h 08 min
